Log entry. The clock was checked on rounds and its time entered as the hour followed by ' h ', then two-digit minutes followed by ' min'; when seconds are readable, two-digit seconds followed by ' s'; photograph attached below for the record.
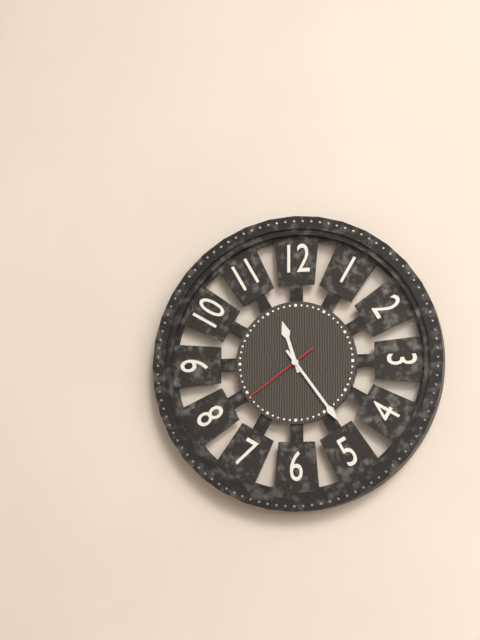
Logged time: 11 h 24 min 39 s
